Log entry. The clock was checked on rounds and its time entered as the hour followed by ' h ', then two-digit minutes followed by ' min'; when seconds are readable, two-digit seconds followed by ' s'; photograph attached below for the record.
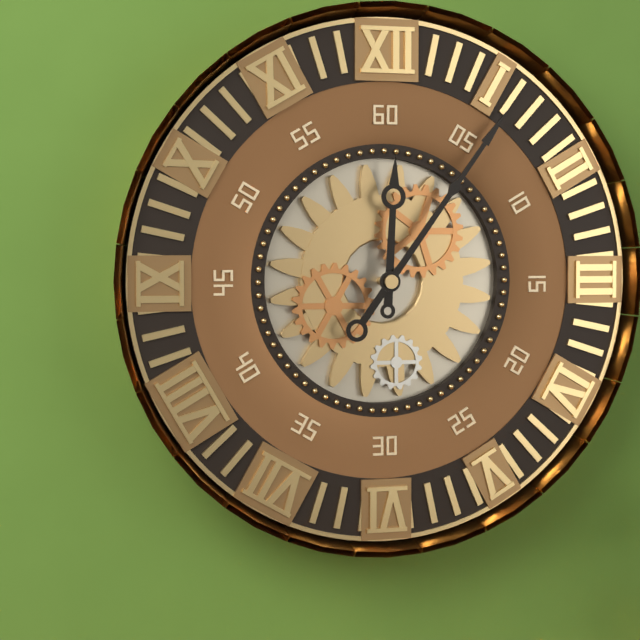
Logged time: 12 h 06 min
